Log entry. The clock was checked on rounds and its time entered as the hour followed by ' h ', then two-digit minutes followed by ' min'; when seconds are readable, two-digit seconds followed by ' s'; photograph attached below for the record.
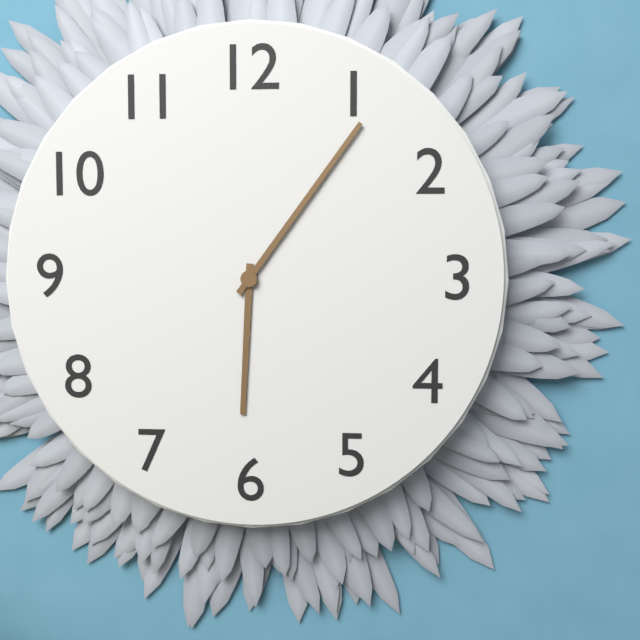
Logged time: 6 h 06 min
